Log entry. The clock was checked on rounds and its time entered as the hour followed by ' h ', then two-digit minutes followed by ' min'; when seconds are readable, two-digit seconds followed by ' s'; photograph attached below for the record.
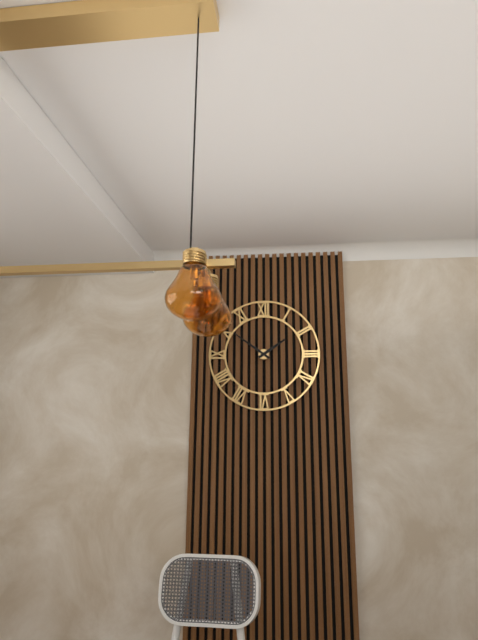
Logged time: 1 h 51 min
